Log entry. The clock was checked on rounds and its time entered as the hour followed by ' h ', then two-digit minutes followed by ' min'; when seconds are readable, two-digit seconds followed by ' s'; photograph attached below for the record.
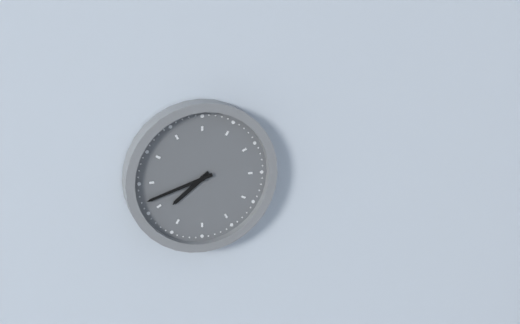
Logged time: 7 h 42 min
